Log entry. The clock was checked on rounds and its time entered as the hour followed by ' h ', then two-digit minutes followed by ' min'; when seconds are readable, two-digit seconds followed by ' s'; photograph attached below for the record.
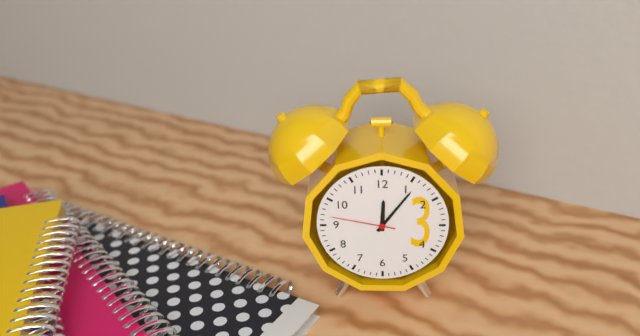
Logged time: 12 h 06 min 47 s
